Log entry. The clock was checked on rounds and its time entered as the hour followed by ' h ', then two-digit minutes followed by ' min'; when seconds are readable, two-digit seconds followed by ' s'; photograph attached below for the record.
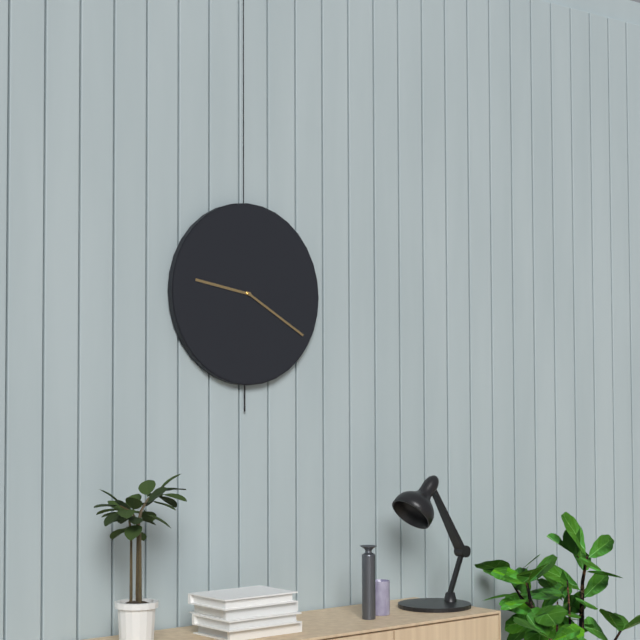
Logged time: 9 h 20 min
